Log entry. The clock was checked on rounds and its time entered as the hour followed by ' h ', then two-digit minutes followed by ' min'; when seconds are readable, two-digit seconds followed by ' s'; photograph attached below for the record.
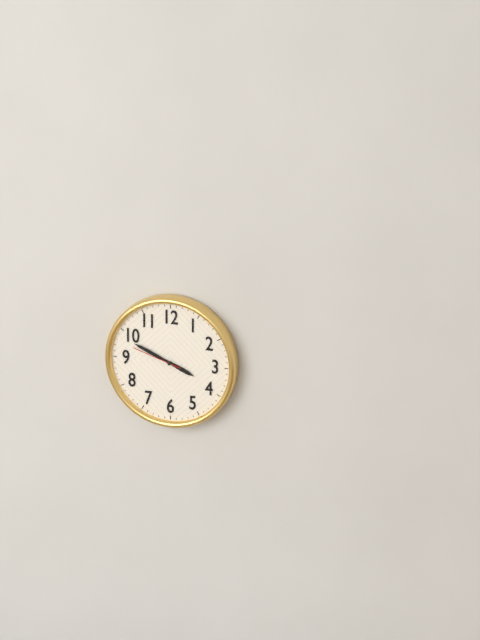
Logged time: 3 h 49 min 48 s
